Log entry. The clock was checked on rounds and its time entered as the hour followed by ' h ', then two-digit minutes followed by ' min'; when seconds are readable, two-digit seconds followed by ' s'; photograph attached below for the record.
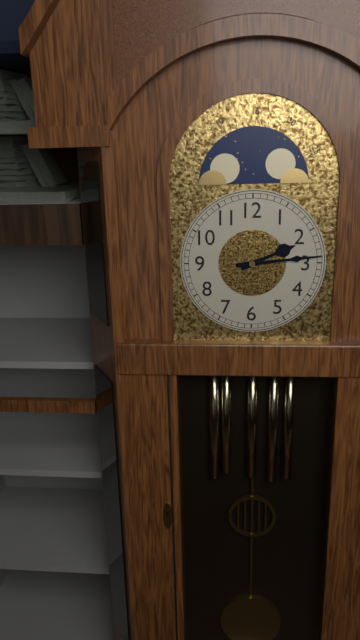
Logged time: 2 h 14 min
